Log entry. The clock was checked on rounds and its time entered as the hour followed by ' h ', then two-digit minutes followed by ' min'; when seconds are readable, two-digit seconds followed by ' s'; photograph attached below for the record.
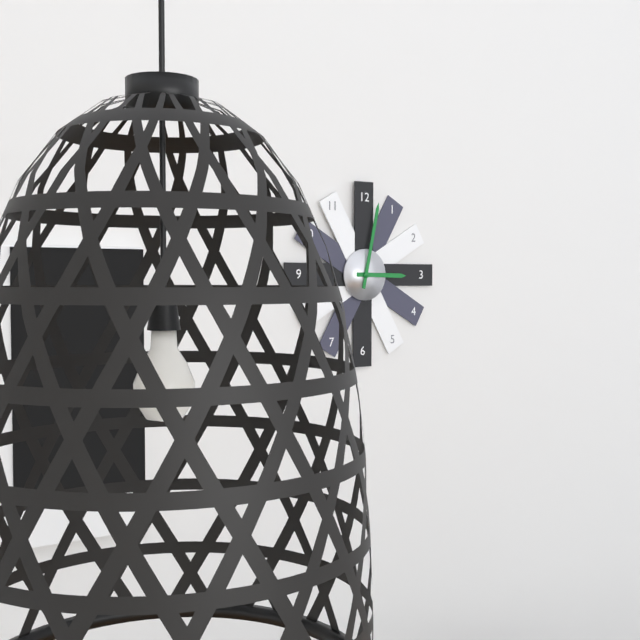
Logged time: 3 h 02 min
